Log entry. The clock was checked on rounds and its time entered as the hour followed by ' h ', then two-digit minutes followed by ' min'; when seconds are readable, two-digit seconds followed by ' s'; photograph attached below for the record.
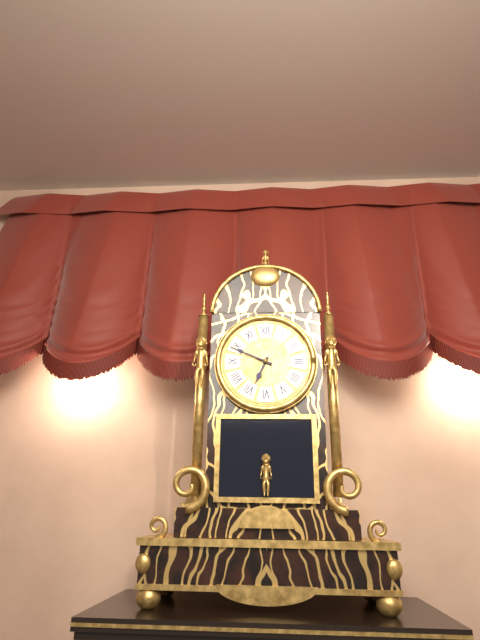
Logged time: 6 h 49 min
